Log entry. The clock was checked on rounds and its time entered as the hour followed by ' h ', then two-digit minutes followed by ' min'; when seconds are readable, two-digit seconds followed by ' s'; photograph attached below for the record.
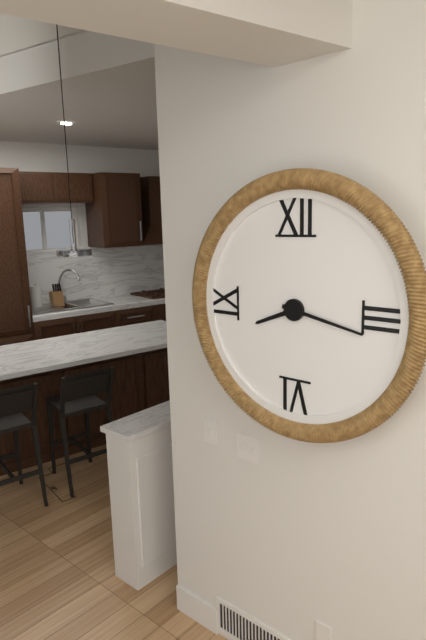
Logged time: 8 h 17 min
